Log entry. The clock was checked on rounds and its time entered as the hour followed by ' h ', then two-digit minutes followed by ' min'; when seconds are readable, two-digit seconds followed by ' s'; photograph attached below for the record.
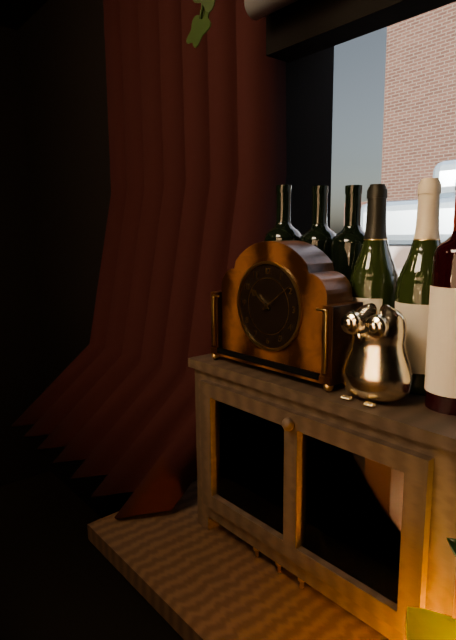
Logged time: 10 h 09 min
